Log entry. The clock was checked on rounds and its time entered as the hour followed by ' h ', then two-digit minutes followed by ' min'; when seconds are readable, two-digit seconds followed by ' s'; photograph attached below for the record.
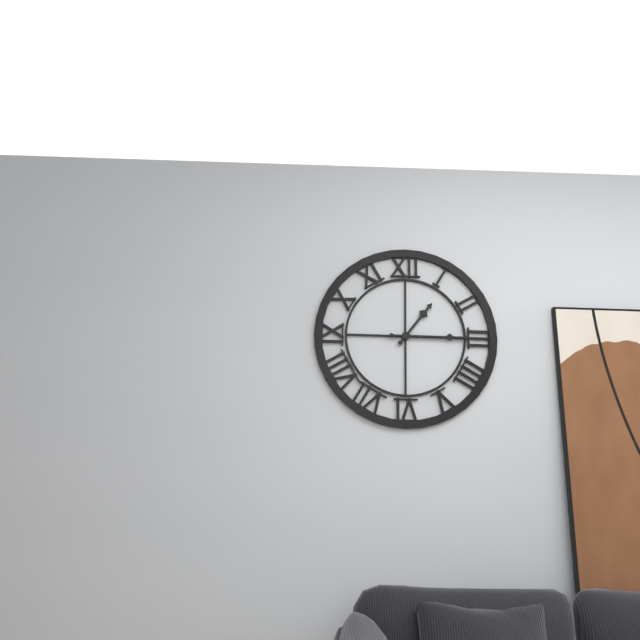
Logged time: 1 h 15 min
